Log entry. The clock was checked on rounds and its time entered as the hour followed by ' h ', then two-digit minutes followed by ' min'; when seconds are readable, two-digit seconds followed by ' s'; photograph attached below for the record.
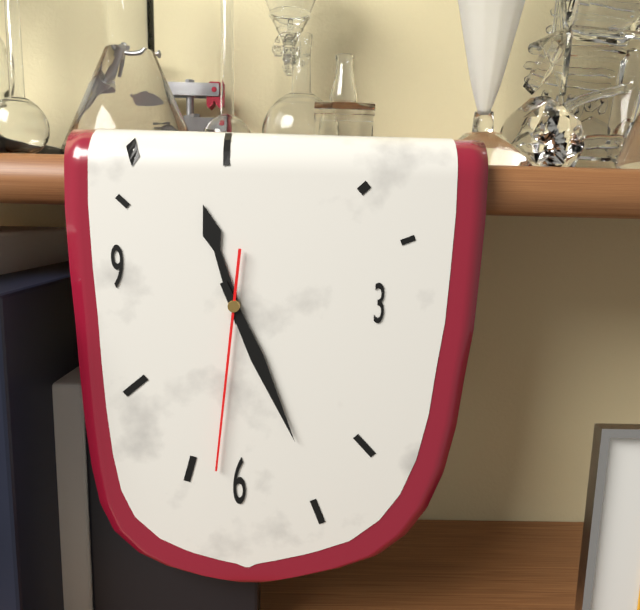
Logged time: 11 h 26 min 31 s
